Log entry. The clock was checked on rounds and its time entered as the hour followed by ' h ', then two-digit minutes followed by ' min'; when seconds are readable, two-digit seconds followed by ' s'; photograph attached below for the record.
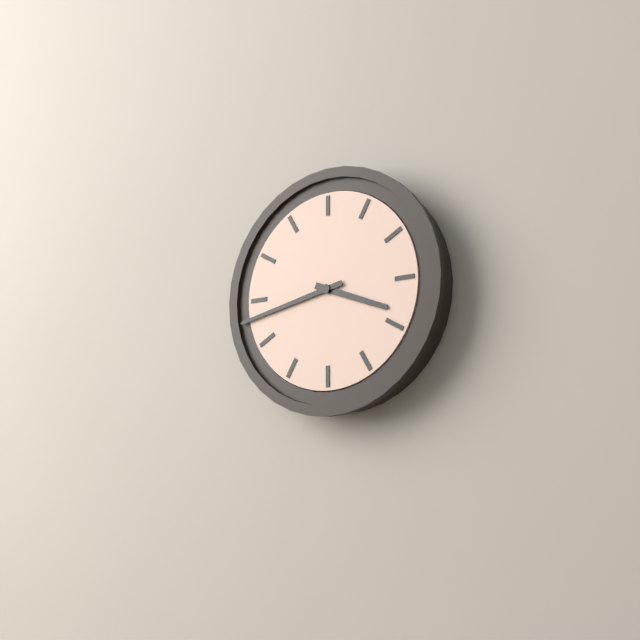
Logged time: 3 h 43 min
